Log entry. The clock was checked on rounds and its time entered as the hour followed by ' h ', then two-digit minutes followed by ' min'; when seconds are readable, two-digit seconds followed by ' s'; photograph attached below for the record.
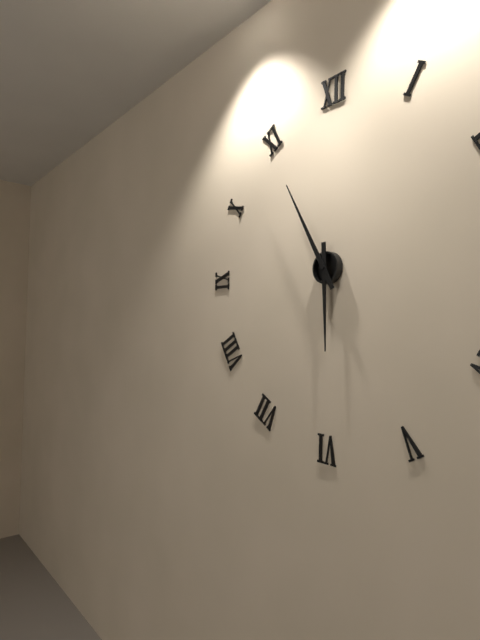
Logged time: 5 h 55 min
